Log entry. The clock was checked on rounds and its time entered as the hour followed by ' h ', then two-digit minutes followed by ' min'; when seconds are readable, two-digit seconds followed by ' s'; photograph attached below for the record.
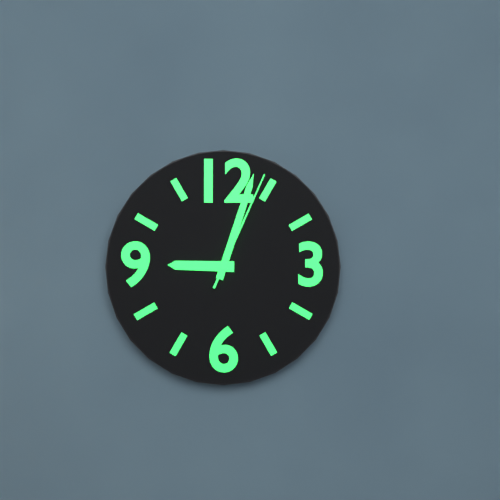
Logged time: 9 h 03 min 04 s
